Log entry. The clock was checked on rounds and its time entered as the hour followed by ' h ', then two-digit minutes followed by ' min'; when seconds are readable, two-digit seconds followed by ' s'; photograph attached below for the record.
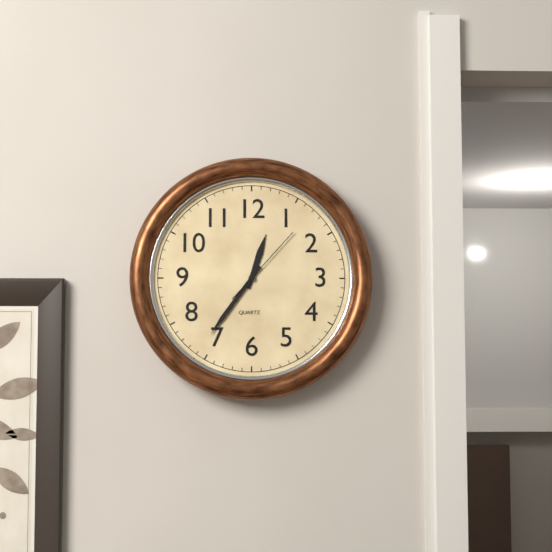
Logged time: 12 h 36 min 07 s
